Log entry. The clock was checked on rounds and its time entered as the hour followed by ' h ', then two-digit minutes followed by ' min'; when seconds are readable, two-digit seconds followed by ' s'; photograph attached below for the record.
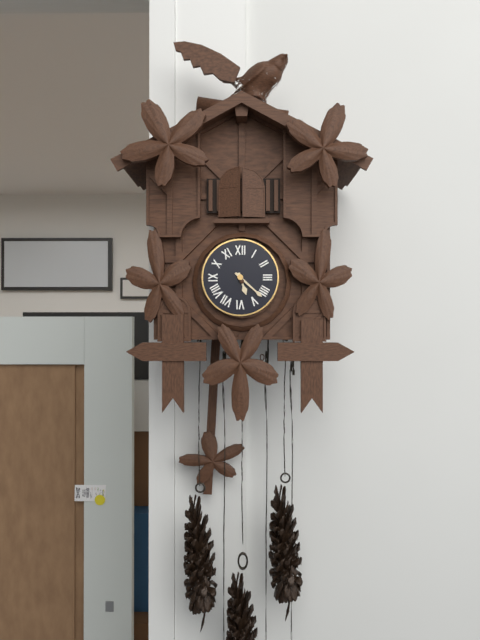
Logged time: 5 h 22 min
